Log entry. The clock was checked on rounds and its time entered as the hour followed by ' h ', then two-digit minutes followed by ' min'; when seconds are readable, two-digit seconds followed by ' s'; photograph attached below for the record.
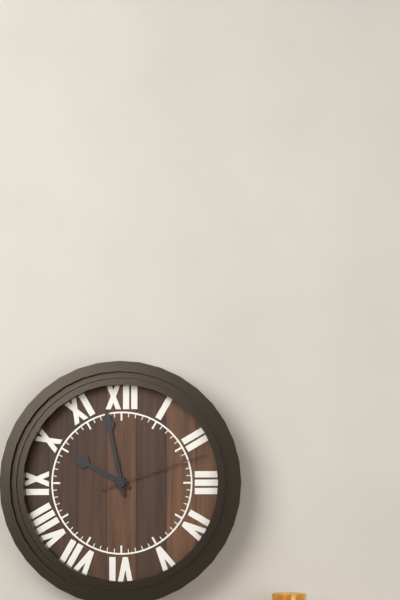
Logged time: 9 h 58 min 12 s
